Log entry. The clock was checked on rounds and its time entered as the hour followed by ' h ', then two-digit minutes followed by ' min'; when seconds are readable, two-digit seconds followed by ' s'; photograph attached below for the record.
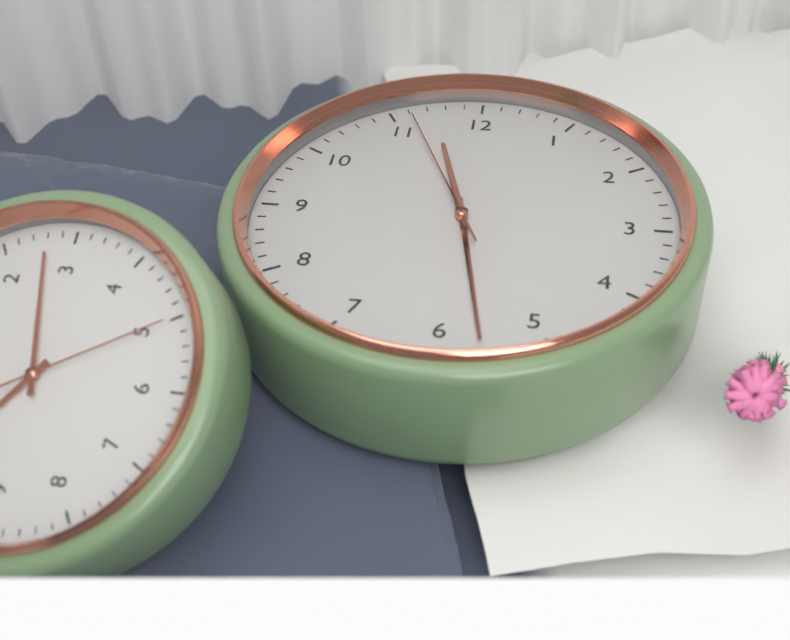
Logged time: 11 h 28 min 56 s
